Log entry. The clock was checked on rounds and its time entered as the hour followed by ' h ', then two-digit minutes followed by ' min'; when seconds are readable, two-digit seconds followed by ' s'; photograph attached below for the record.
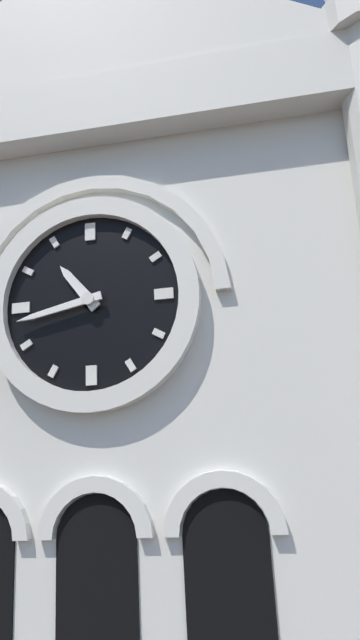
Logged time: 10 h 43 min
